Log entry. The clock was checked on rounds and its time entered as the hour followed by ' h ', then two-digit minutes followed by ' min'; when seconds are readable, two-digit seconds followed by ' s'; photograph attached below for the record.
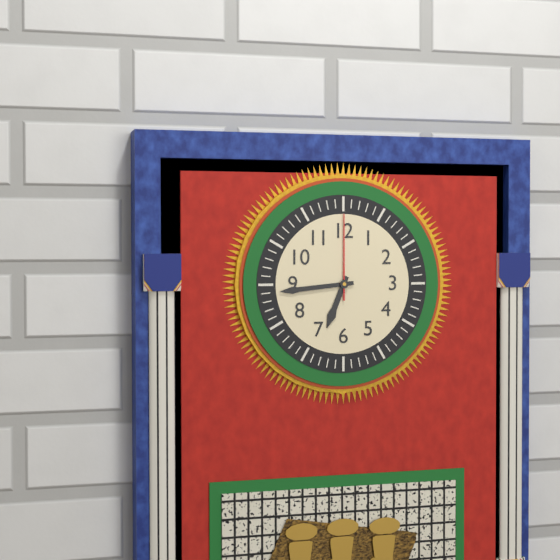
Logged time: 6 h 44 min 00 s
